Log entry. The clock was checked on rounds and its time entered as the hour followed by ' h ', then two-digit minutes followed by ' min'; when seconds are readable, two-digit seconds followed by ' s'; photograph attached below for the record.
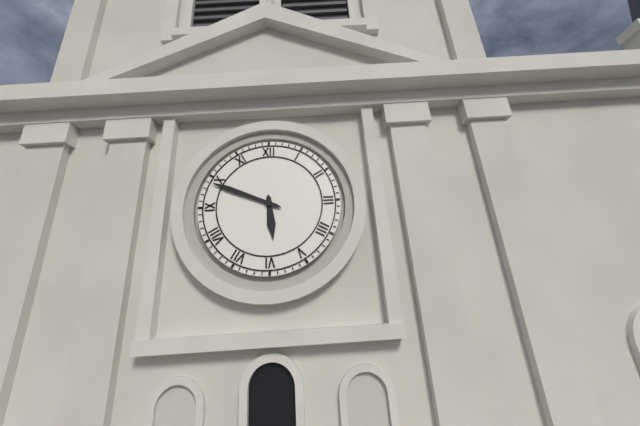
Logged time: 5 h 49 min
